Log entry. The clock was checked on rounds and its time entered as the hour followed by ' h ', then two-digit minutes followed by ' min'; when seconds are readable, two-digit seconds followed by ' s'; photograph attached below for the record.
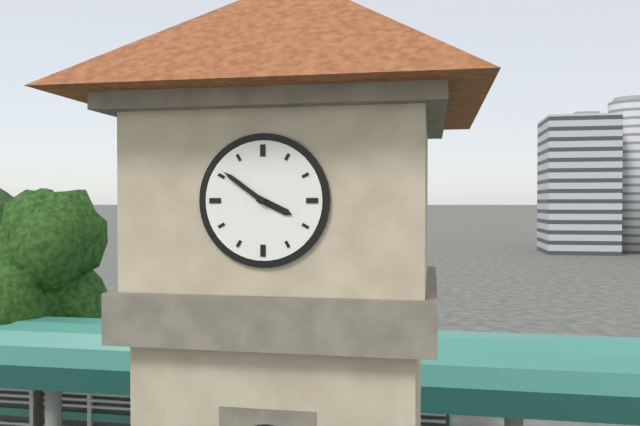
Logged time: 3 h 51 min
